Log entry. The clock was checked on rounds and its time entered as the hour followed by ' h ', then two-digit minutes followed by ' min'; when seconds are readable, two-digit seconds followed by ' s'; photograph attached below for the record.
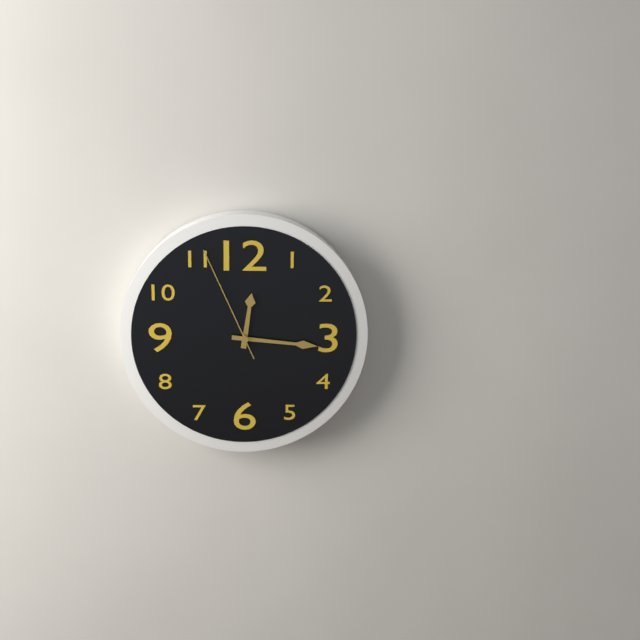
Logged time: 12 h 16 min 56 s
